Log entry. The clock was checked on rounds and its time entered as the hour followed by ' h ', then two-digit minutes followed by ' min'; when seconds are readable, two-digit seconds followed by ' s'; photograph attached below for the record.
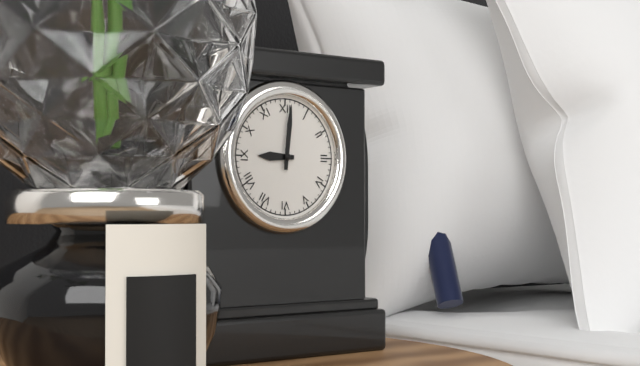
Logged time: 9 h 01 min
